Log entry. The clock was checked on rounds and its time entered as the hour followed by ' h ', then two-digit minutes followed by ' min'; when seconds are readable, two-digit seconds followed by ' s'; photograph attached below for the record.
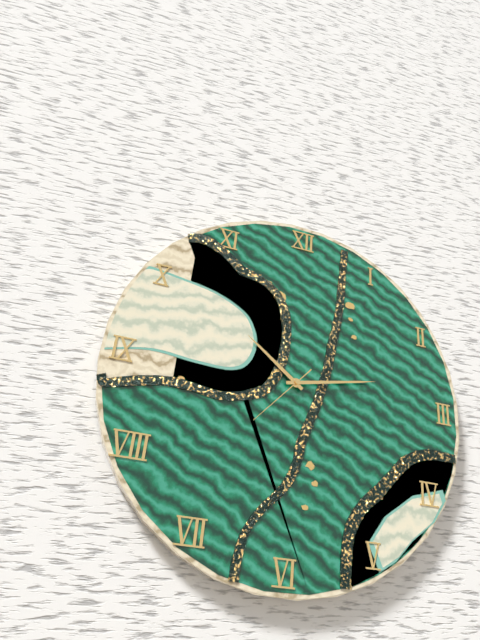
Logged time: 10 h 13 min 37 s
